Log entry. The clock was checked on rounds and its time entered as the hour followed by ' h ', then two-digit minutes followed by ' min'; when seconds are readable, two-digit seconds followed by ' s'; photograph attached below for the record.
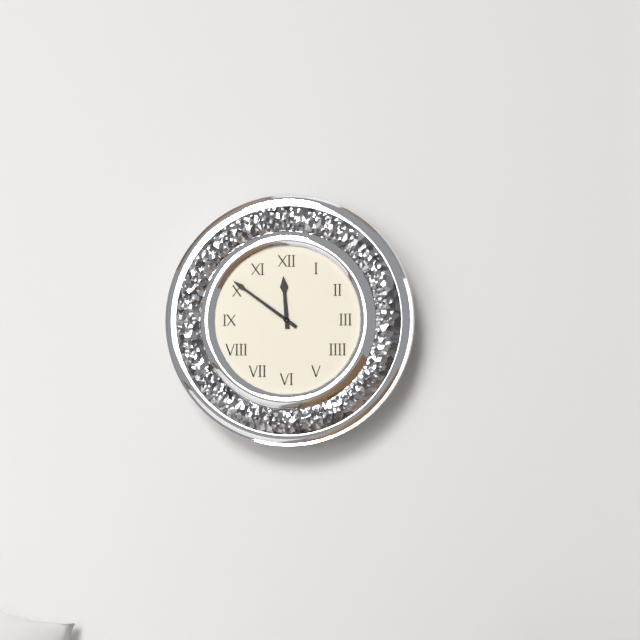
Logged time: 11 h 51 min
